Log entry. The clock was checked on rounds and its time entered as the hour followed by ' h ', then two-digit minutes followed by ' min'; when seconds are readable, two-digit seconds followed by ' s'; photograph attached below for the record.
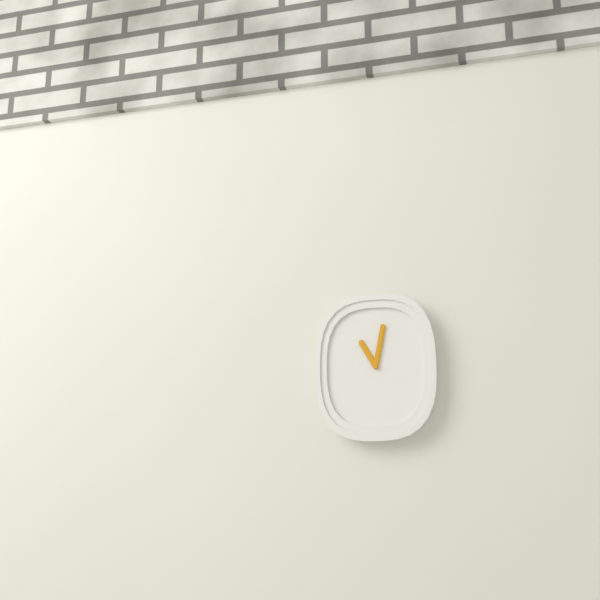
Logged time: 11 h 02 min
